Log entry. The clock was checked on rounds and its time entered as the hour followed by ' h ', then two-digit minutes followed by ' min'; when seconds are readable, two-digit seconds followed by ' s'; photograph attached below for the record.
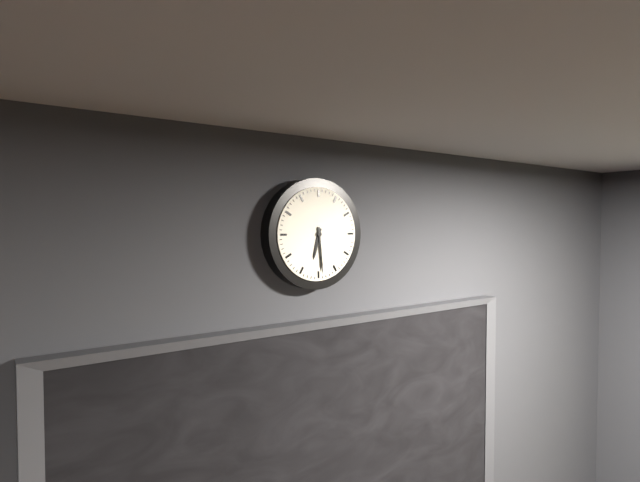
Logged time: 6 h 29 min
